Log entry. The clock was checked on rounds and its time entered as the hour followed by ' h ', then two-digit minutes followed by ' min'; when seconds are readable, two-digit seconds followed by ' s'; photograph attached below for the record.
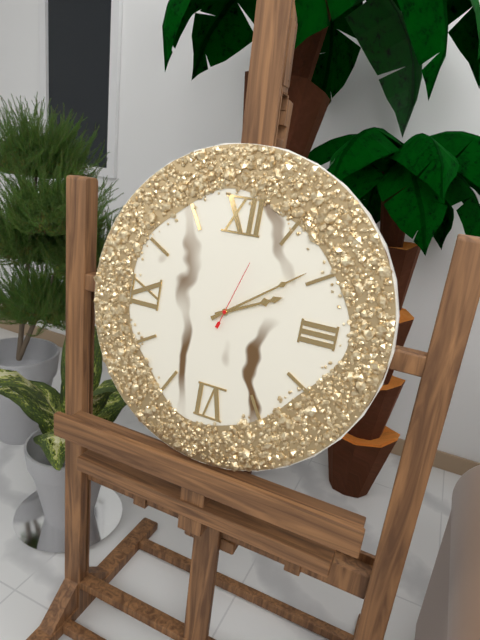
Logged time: 2 h 09 min 03 s
